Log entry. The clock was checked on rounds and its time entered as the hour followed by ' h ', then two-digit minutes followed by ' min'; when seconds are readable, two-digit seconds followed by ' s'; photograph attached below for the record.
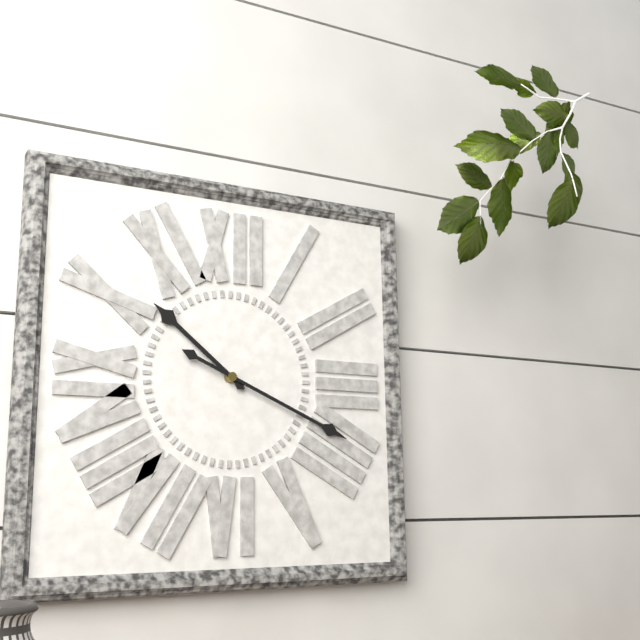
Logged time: 10 h 19 min
